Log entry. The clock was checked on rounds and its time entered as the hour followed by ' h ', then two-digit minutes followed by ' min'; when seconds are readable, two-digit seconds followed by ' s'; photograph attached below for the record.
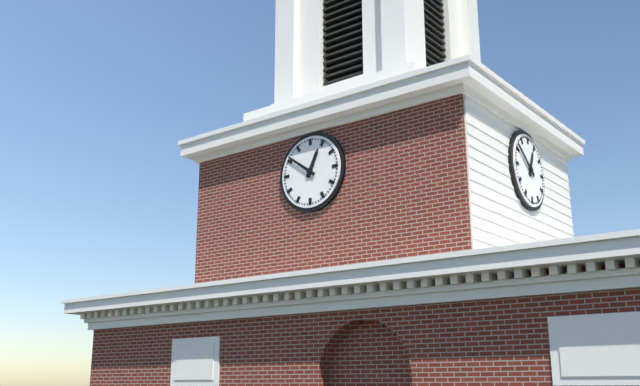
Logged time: 12 h 51 min
